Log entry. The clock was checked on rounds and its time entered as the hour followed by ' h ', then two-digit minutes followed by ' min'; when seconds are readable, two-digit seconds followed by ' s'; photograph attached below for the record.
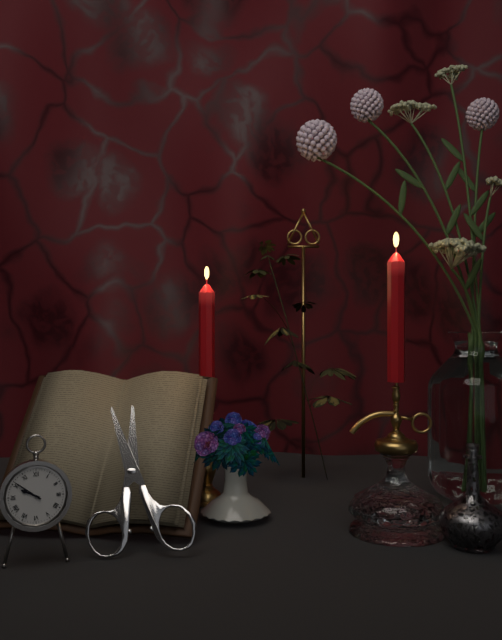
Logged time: 9 h 51 min
